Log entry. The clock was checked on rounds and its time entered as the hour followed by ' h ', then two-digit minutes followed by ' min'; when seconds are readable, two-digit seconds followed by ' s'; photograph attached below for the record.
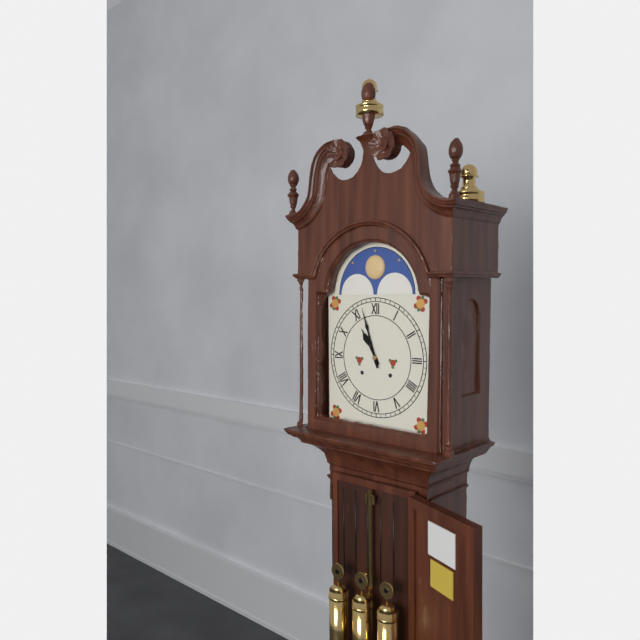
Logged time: 10 h 57 min
